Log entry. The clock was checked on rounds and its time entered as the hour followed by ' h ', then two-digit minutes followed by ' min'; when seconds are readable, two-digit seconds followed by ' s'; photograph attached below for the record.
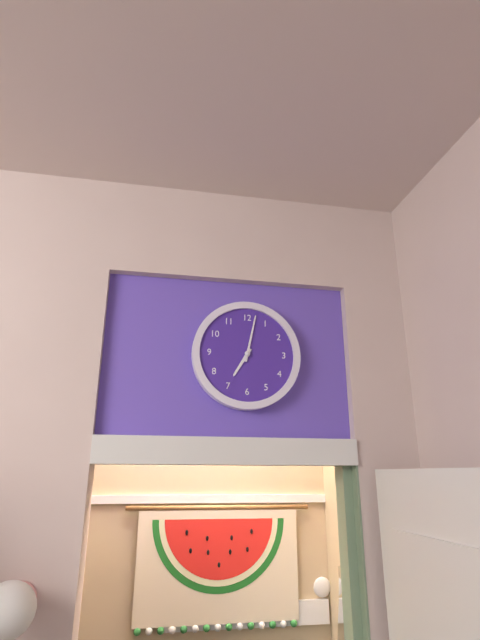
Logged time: 7 h 02 min
